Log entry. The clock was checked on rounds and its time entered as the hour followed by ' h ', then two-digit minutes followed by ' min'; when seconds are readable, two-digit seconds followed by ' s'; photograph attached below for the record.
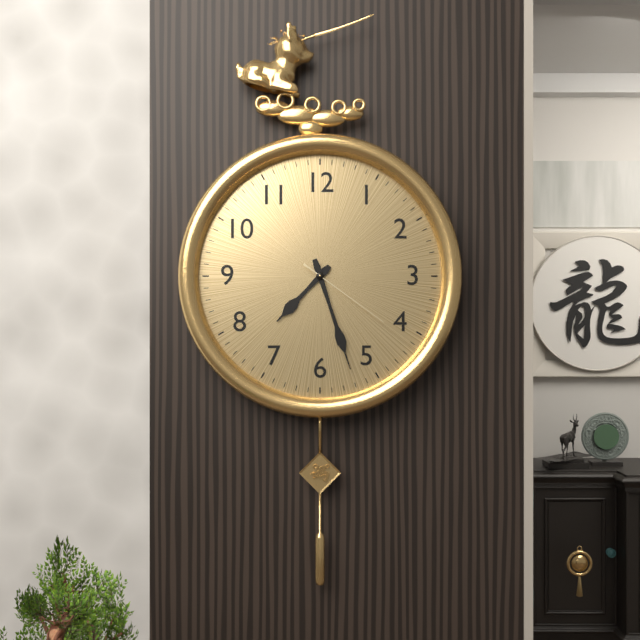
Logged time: 7 h 27 min 21 s
